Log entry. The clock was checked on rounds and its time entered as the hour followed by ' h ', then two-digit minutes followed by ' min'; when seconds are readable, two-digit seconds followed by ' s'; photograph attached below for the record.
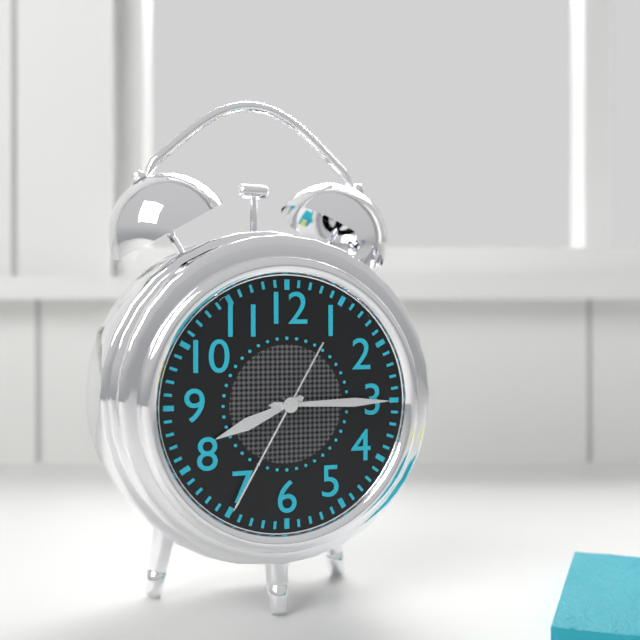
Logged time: 8 h 15 min 35 s
